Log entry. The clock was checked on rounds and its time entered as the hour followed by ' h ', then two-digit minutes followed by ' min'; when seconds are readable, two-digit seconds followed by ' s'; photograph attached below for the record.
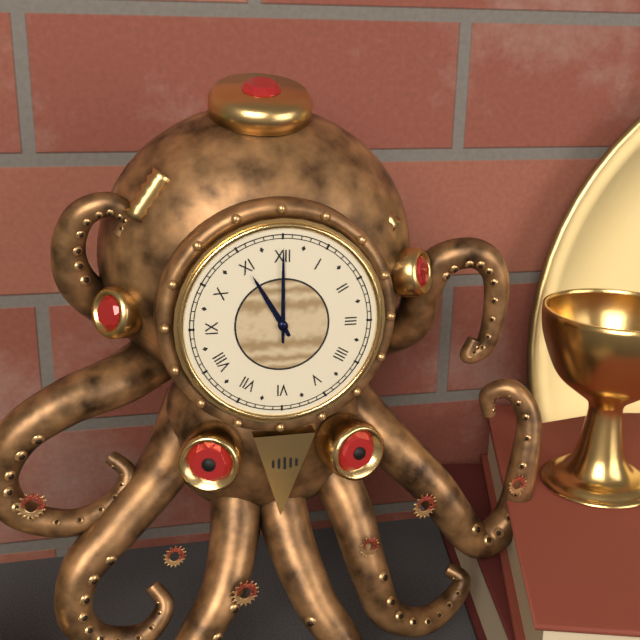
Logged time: 11 h 00 min
